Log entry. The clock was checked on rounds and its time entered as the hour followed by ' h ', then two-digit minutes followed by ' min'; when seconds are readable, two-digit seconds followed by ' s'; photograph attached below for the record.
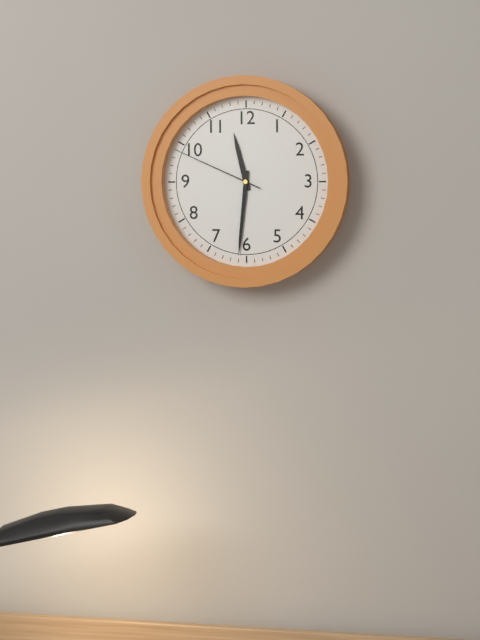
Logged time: 11 h 31 min 49 s
